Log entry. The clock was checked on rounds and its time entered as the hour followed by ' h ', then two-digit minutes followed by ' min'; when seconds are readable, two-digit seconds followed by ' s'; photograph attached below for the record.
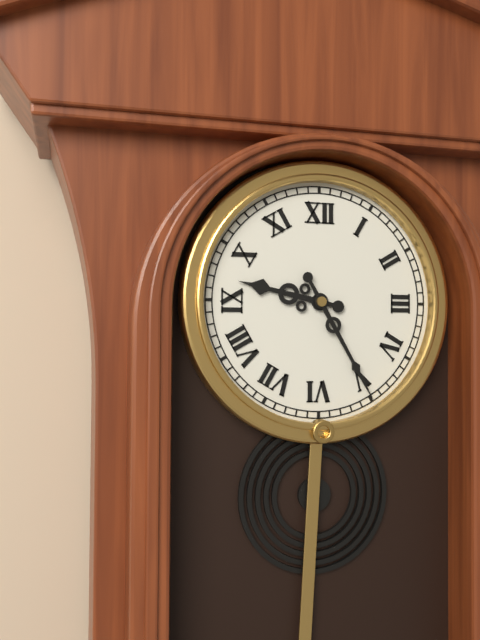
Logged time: 9 h 25 min
